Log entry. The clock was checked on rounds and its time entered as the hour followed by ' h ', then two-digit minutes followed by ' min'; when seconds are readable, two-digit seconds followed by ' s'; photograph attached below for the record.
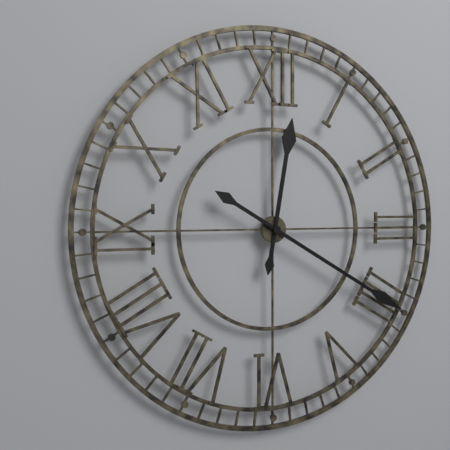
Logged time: 12 h 20 min
